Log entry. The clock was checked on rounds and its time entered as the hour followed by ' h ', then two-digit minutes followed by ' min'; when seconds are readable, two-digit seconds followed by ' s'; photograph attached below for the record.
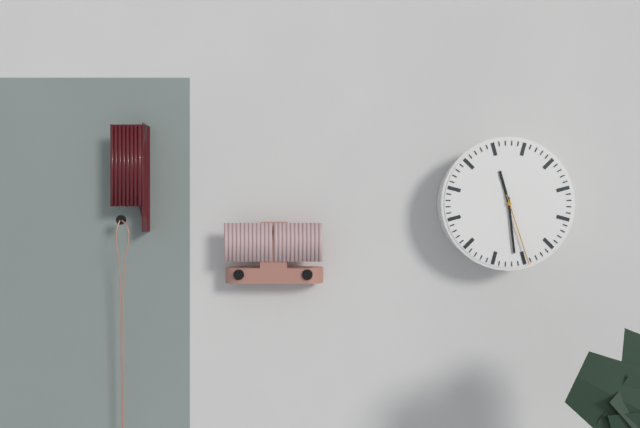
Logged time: 11 h 29 min 27 s
